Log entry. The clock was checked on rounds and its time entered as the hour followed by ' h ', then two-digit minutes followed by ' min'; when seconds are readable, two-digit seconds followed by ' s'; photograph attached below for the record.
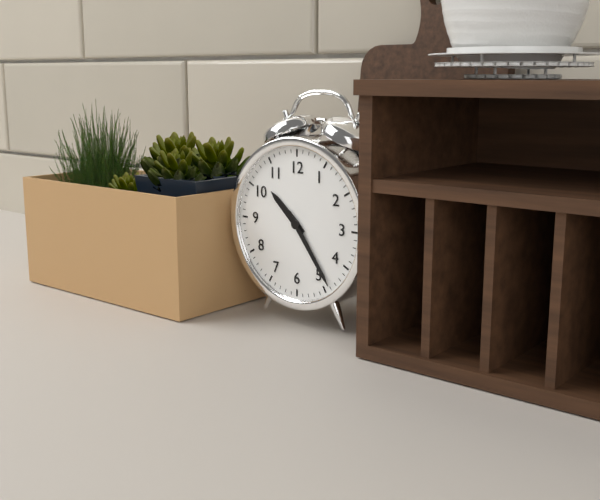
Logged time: 10 h 24 min
